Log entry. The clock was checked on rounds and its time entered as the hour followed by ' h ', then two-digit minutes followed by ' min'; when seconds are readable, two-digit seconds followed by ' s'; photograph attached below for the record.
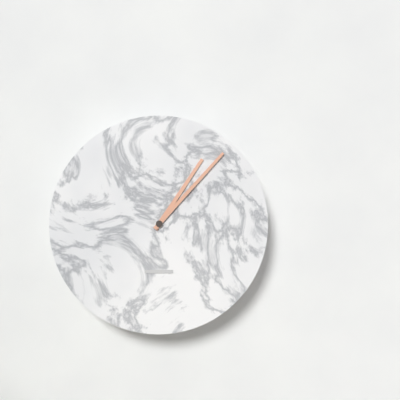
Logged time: 1 h 07 min
